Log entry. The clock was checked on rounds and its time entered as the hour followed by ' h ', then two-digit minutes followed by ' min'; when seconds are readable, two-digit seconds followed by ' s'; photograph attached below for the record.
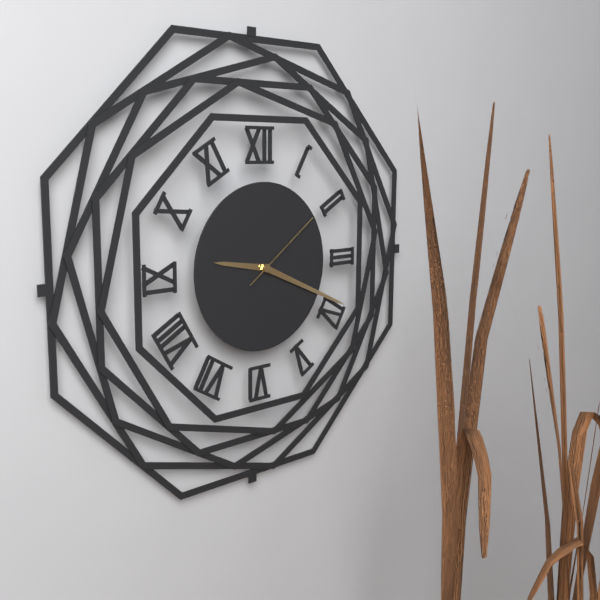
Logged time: 9 h 19 min 09 s
